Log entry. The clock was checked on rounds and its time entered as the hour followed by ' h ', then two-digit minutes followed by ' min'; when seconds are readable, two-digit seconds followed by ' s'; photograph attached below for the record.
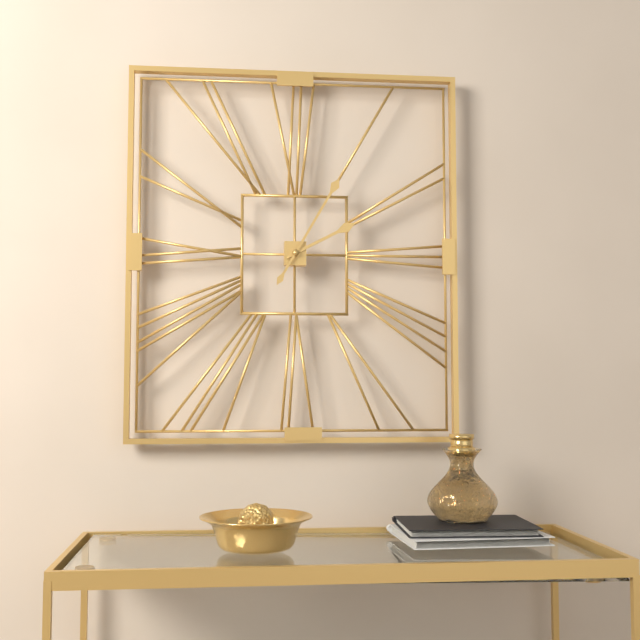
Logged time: 2 h 05 min
